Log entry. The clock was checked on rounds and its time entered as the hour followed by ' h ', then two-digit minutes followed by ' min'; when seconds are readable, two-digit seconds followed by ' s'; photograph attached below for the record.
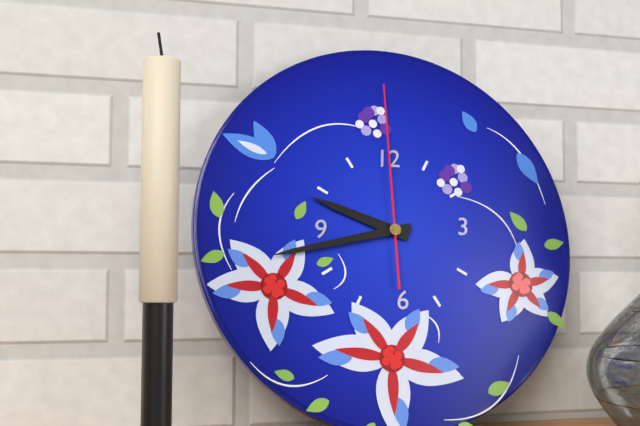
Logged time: 9 h 43 min 00 s
